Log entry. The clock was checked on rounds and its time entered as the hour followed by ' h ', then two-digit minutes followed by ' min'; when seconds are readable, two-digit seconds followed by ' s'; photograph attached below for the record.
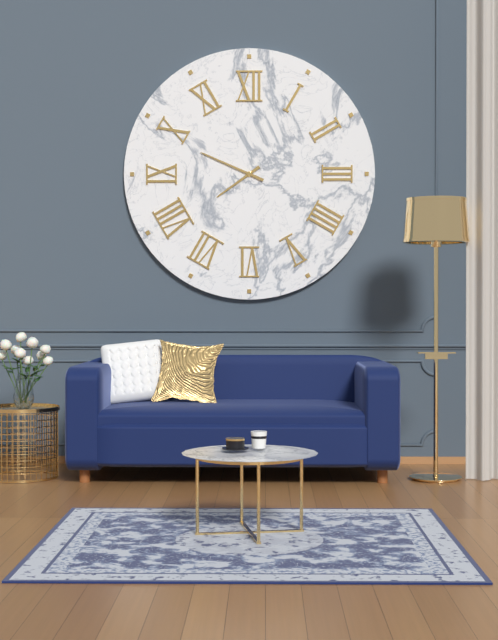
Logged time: 7 h 49 min
